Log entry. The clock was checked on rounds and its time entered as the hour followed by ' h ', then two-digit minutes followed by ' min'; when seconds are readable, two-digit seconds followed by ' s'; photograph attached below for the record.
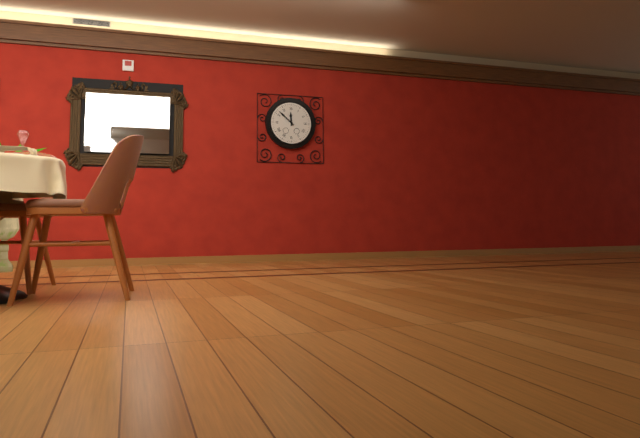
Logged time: 11 h 52 min
